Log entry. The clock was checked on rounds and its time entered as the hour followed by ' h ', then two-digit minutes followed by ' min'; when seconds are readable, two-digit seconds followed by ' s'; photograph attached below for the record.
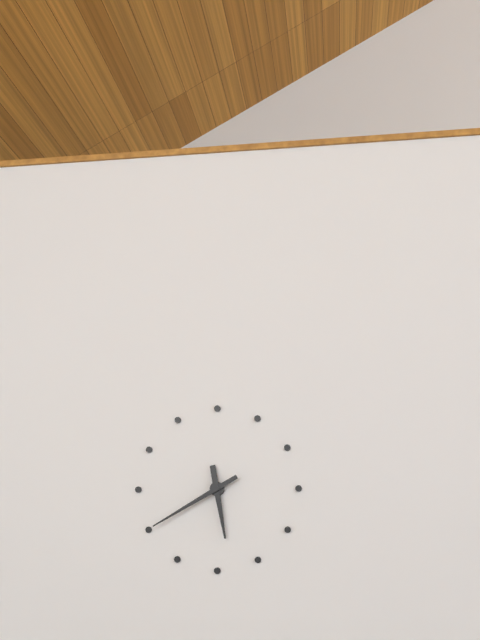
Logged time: 5 h 40 min
